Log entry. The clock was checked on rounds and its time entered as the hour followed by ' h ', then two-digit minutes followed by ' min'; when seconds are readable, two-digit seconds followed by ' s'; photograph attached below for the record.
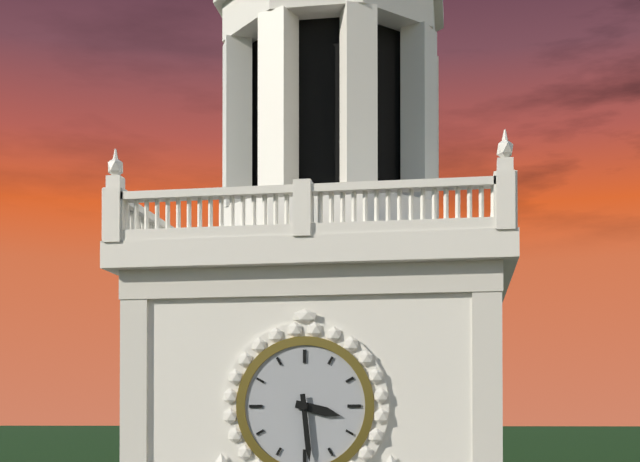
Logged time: 3 h 29 min
